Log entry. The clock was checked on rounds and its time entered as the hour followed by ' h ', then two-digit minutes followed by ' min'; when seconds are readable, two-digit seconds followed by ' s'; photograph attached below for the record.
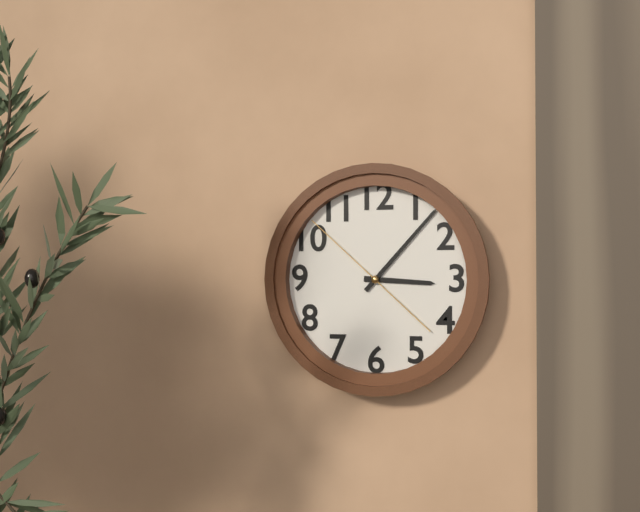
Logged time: 3 h 07 min 52 s
